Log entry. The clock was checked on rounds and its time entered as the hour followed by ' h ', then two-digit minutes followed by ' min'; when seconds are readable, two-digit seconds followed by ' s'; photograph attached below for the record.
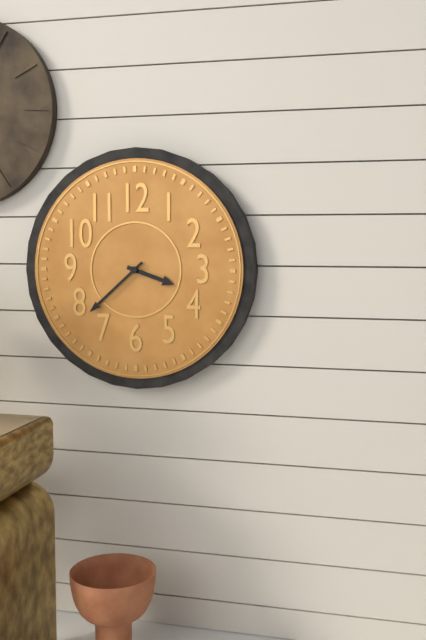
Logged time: 3 h 38 min
